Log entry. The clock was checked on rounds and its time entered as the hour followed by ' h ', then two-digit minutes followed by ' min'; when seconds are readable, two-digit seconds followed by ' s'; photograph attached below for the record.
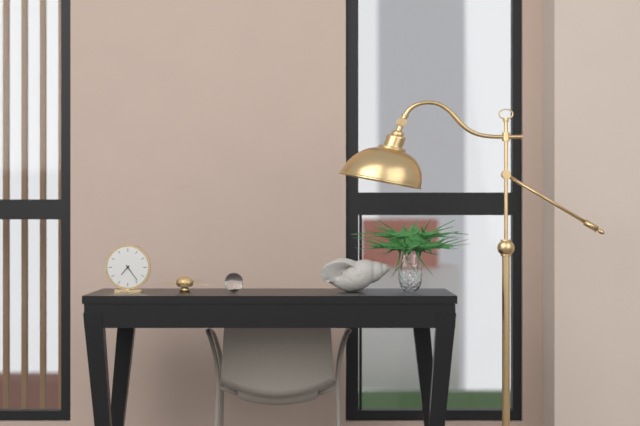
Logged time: 7 h 24 min
